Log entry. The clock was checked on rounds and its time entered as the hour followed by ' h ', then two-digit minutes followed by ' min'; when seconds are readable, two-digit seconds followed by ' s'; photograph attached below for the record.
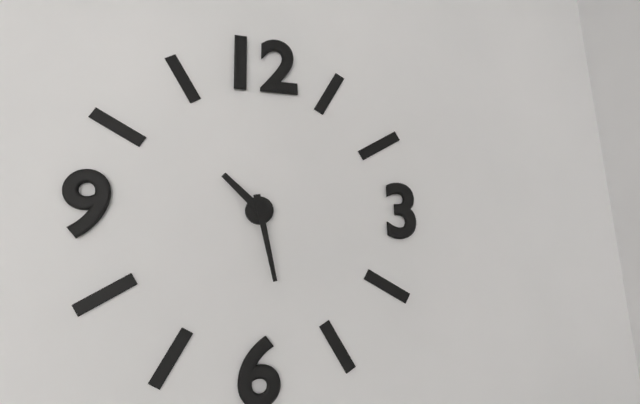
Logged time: 10 h 28 min
